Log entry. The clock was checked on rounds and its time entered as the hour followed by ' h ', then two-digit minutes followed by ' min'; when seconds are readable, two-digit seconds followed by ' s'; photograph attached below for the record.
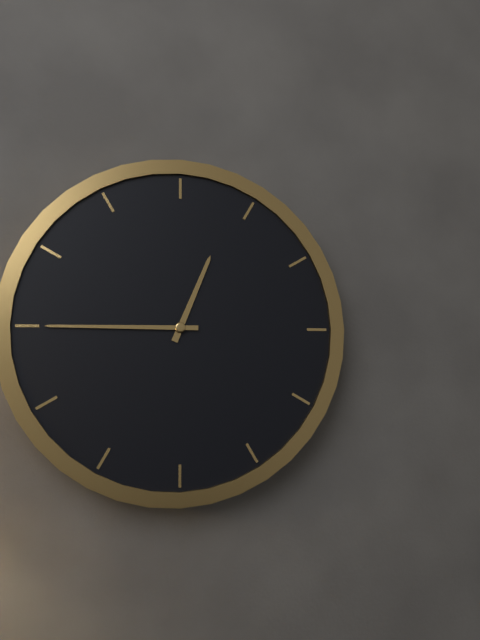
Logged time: 12 h 45 min
